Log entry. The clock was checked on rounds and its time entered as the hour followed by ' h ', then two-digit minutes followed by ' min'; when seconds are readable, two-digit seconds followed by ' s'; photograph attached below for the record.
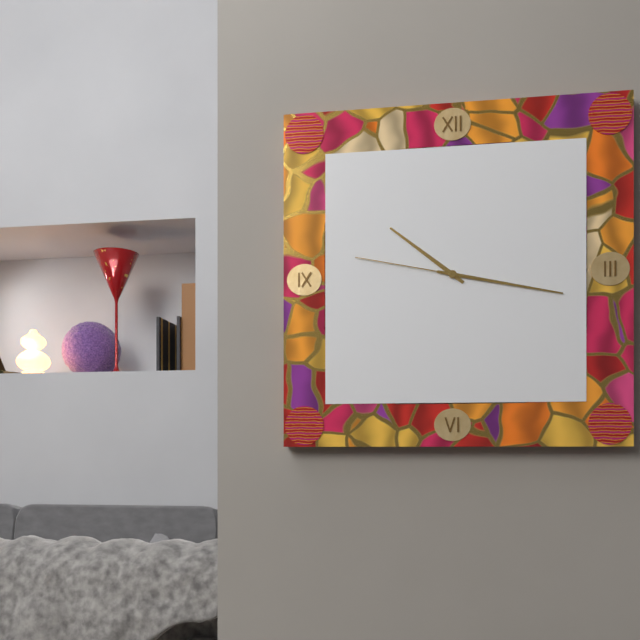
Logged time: 10 h 17 min 47 s
